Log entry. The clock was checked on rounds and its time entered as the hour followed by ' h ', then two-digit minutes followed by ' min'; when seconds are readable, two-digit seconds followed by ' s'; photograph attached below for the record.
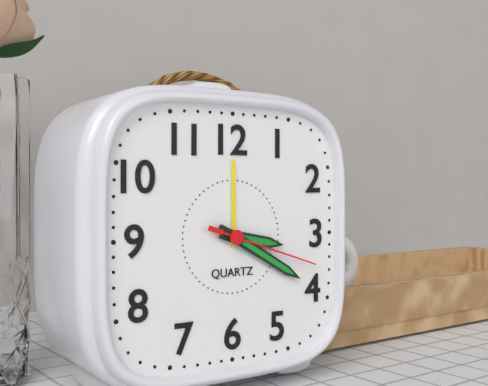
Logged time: 3 h 20 min 18 s
